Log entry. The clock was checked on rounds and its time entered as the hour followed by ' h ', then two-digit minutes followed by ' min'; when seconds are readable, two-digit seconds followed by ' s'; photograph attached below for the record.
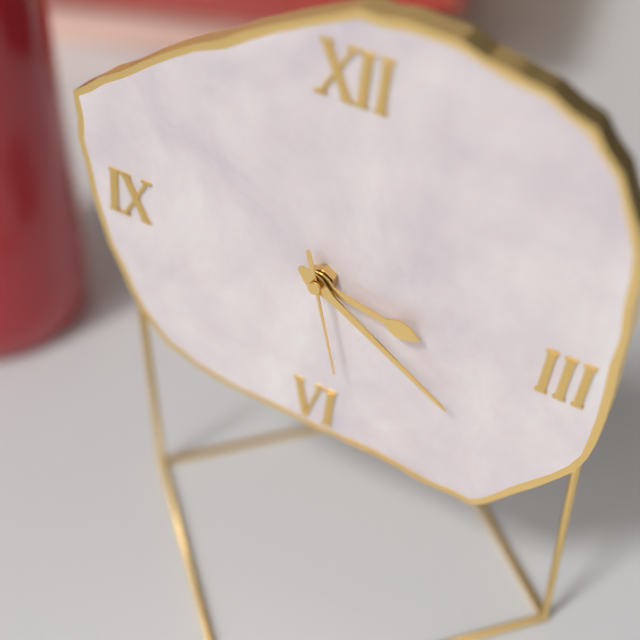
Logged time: 3 h 20 min 27 s
